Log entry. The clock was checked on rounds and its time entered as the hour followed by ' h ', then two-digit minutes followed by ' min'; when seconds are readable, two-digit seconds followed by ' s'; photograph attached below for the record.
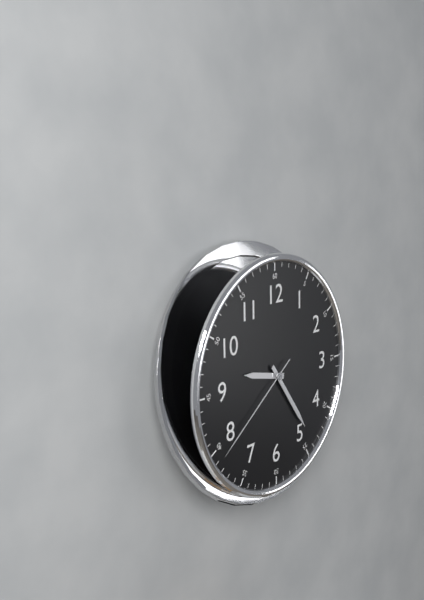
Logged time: 9 h 24 min 39 s
